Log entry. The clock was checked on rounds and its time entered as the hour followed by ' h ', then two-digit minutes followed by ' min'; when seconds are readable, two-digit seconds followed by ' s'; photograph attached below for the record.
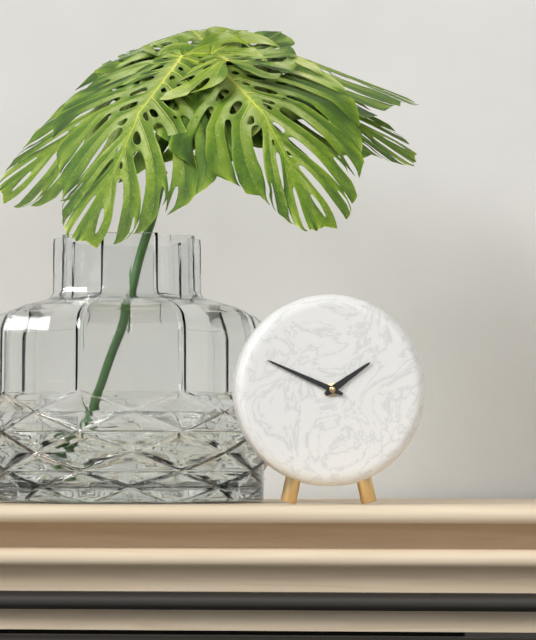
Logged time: 1 h 49 min
